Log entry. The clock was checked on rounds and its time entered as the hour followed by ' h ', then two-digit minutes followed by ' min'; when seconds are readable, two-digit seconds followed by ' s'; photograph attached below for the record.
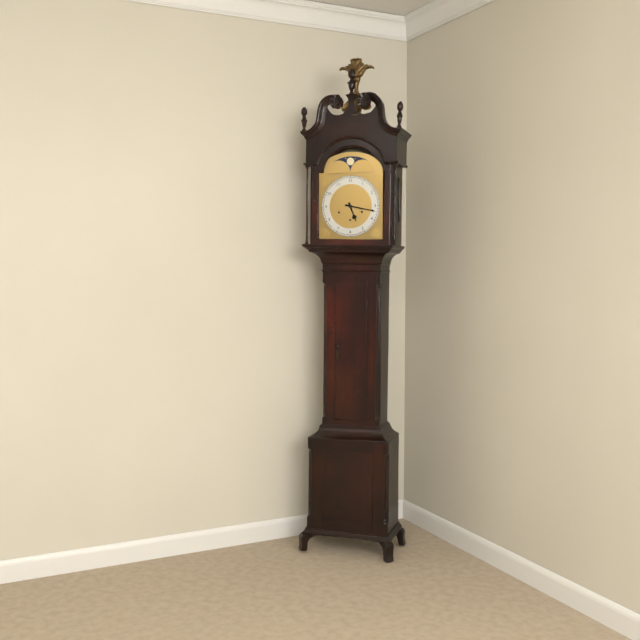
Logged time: 5 h 17 min
